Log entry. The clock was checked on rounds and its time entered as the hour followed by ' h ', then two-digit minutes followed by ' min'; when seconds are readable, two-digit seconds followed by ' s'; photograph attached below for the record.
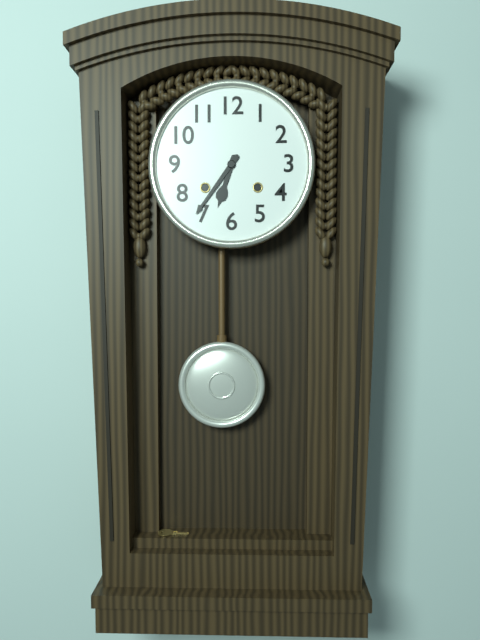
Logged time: 6 h 36 min
